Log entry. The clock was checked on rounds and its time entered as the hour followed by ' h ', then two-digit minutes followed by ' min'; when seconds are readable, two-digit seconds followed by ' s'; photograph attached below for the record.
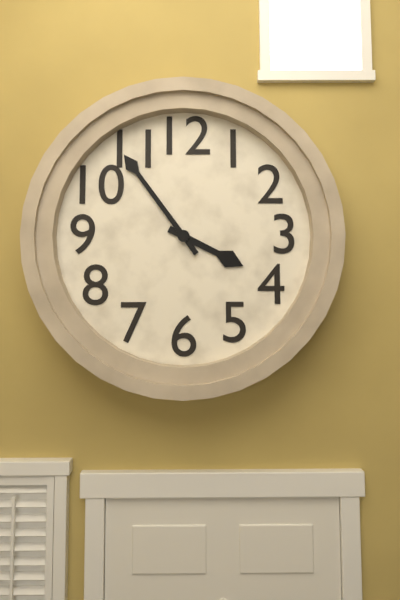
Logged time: 3 h 54 min
